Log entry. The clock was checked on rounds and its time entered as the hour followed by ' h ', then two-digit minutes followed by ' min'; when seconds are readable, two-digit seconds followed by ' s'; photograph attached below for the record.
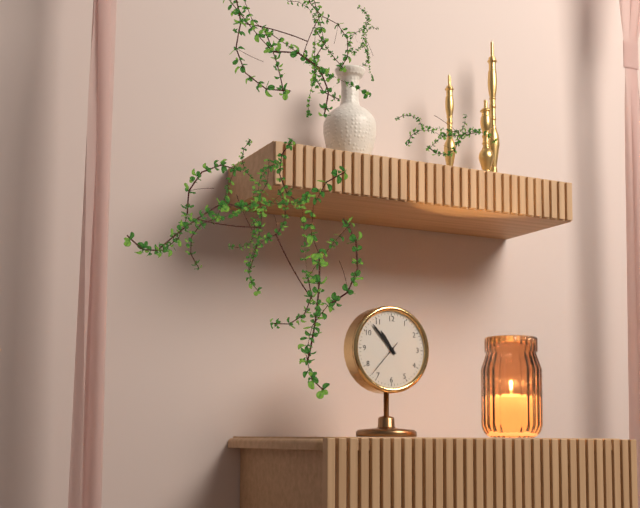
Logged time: 10 h 53 min
